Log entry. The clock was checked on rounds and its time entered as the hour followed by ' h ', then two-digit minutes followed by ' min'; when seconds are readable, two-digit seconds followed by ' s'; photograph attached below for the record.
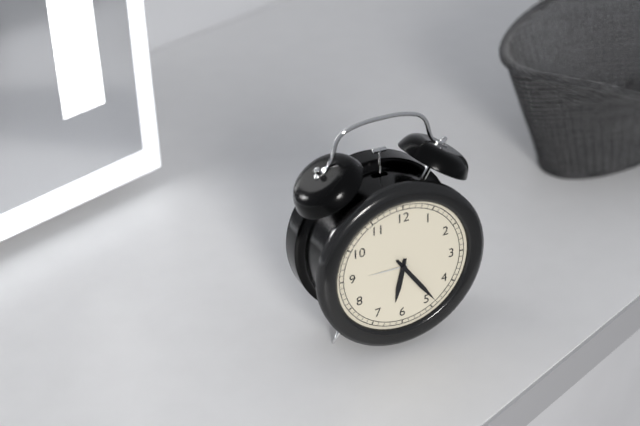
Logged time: 6 h 24 min
